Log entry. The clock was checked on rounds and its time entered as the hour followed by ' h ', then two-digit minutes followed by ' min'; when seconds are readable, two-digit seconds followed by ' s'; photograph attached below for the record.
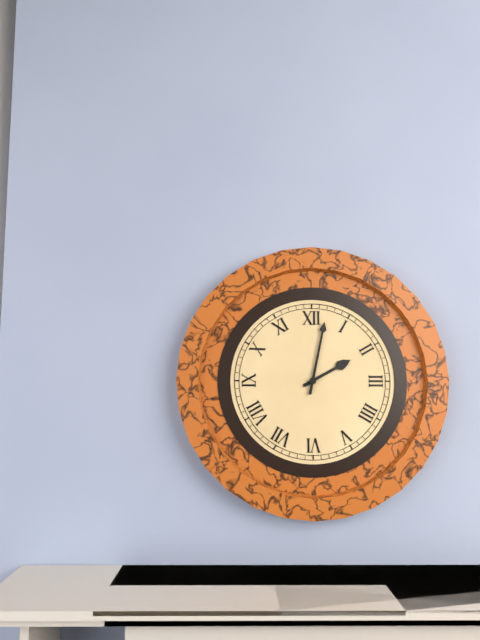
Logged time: 2 h 02 min
